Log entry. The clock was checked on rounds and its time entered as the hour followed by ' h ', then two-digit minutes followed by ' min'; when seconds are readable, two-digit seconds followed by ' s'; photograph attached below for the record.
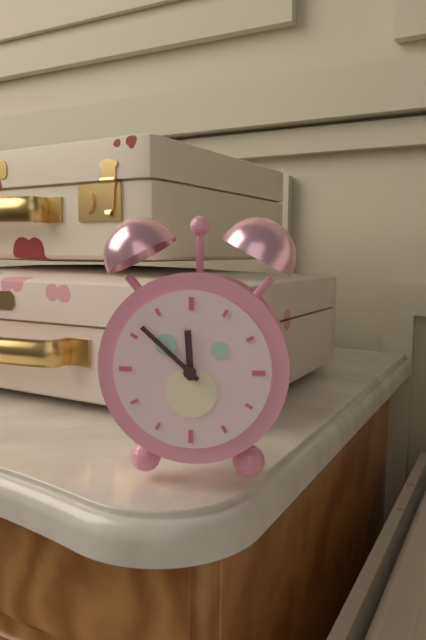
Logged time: 11 h 52 min
